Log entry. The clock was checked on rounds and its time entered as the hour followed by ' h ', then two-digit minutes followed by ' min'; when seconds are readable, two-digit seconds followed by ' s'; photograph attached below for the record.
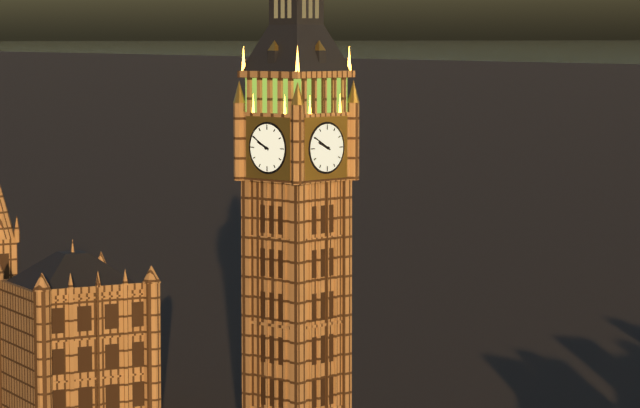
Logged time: 9 h 50 min
